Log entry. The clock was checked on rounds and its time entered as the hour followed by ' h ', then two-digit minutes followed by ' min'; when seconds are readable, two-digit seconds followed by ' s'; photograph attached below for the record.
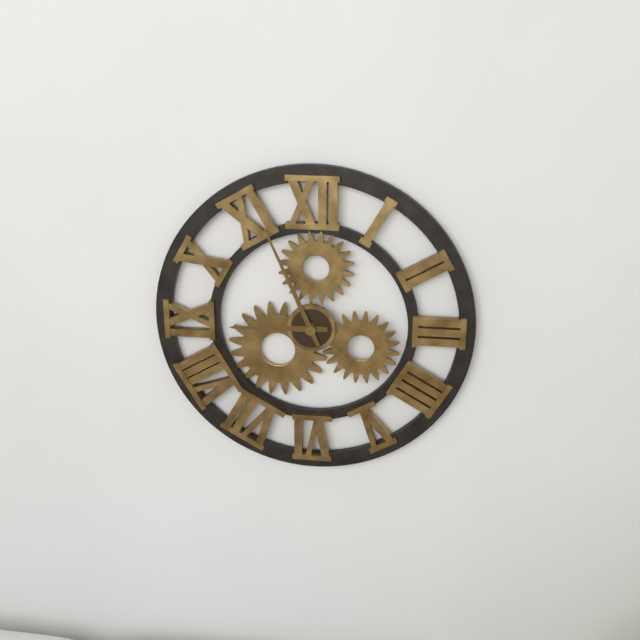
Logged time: 8 h 56 min
